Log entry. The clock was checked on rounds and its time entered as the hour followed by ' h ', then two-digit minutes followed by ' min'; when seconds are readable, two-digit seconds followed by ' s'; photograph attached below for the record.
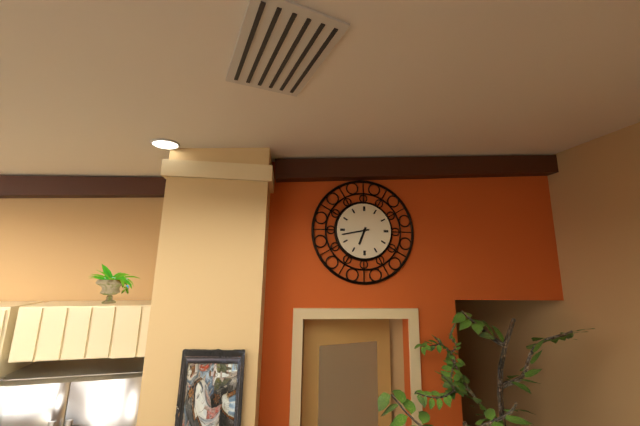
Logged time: 6 h 43 min
